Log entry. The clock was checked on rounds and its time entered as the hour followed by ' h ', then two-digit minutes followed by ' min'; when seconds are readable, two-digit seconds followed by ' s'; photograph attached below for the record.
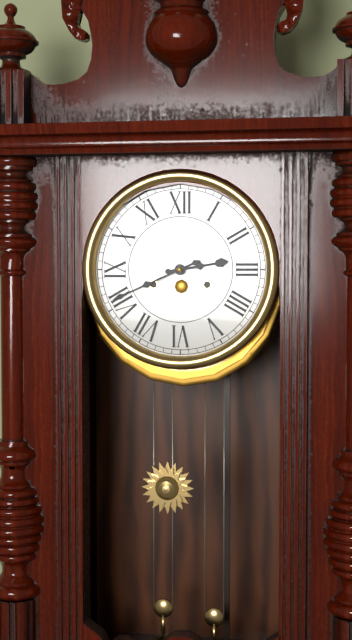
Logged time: 2 h 41 min
